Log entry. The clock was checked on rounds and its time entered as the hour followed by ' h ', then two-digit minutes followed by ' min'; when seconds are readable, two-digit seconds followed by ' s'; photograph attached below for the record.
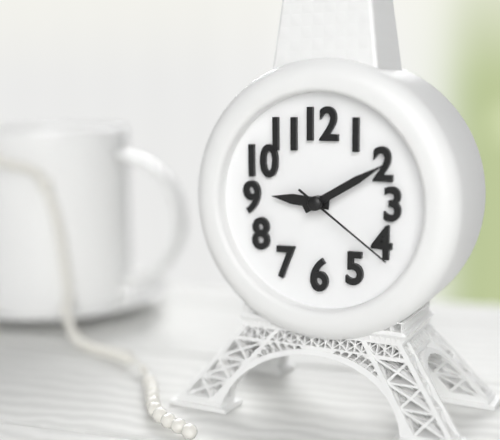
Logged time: 9 h 10 min 21 s
